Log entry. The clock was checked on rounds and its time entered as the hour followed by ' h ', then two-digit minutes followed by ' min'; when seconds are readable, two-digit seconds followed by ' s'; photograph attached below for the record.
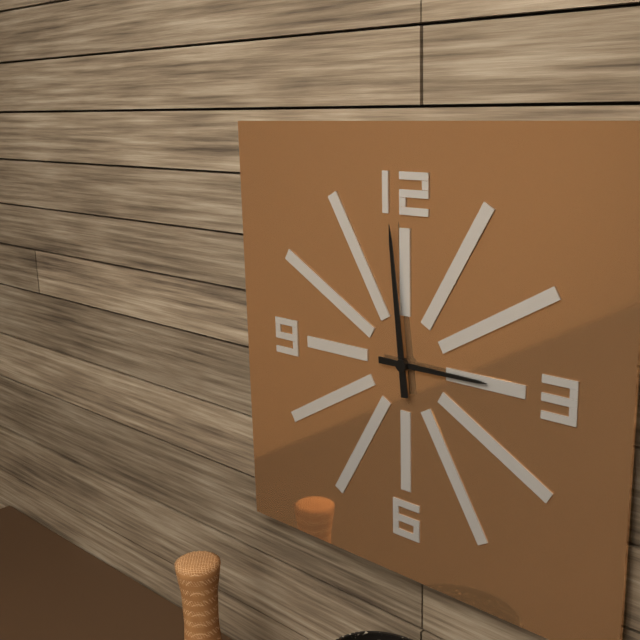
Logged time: 2 h 59 min
